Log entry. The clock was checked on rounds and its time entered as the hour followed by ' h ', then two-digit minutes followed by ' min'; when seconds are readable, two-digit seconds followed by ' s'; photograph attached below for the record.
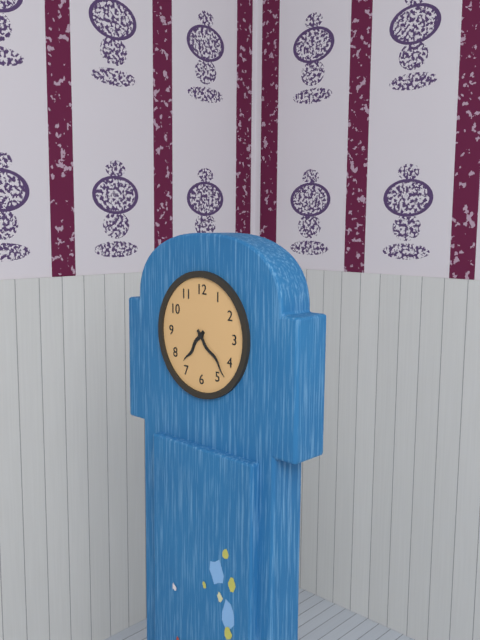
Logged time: 7 h 23 min
